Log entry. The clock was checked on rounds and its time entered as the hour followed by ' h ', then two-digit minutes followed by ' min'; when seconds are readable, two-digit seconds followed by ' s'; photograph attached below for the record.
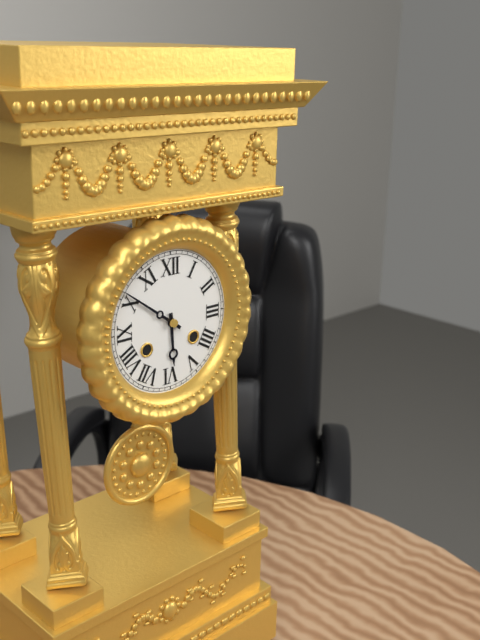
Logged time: 5 h 51 min
